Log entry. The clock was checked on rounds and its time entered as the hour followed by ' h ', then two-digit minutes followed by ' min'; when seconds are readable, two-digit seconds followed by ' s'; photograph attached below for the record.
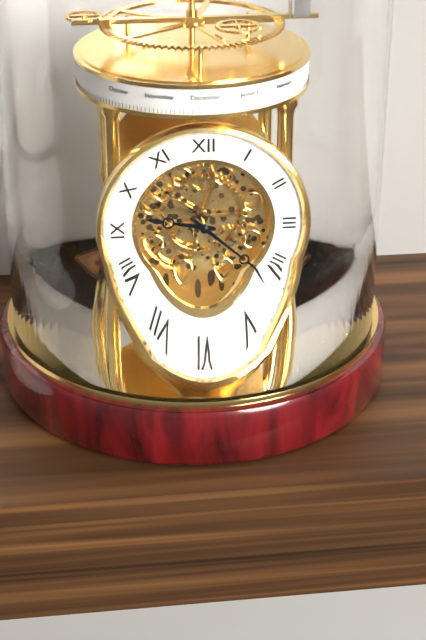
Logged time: 9 h 22 min
